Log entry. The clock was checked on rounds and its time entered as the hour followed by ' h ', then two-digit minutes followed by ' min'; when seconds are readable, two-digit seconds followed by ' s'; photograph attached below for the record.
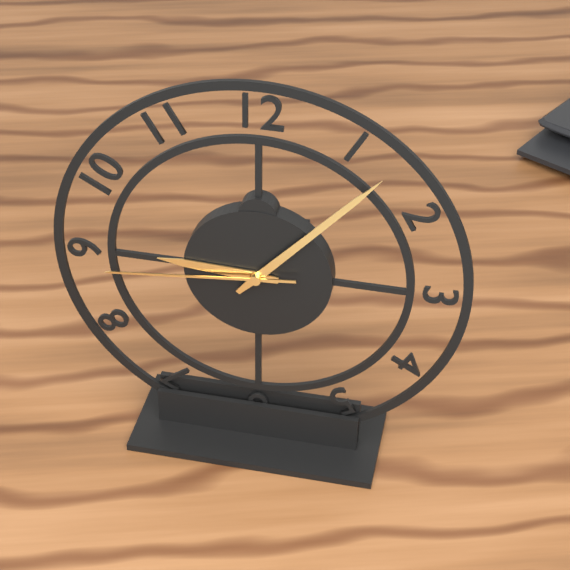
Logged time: 9 h 07 min 44 s
